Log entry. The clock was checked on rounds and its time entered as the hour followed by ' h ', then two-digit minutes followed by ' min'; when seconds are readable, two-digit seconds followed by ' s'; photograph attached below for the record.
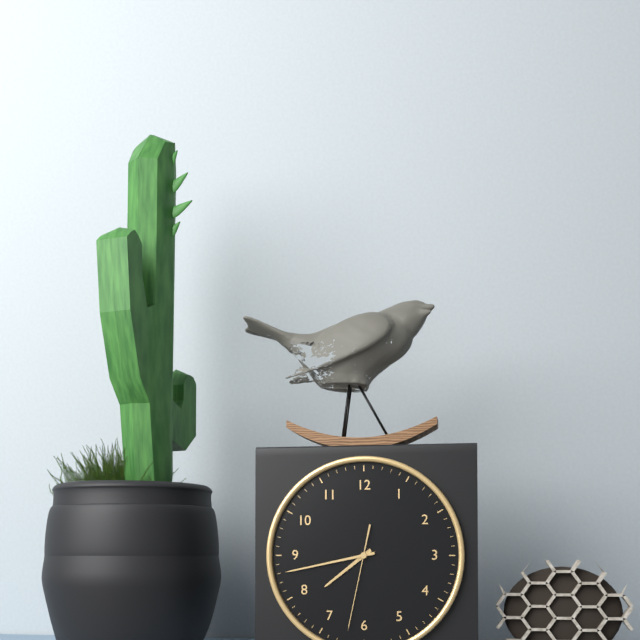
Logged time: 7 h 43 min 32 s
